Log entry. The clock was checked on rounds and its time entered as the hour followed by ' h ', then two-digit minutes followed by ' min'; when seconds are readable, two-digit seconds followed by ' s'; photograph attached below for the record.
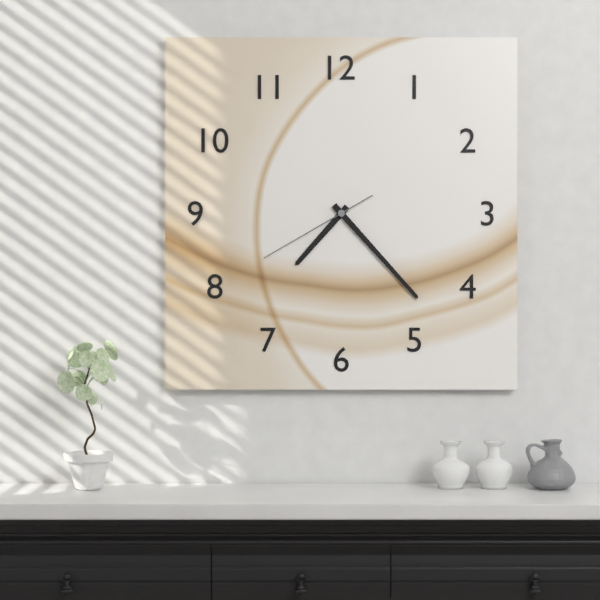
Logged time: 7 h 23 min 40 s
